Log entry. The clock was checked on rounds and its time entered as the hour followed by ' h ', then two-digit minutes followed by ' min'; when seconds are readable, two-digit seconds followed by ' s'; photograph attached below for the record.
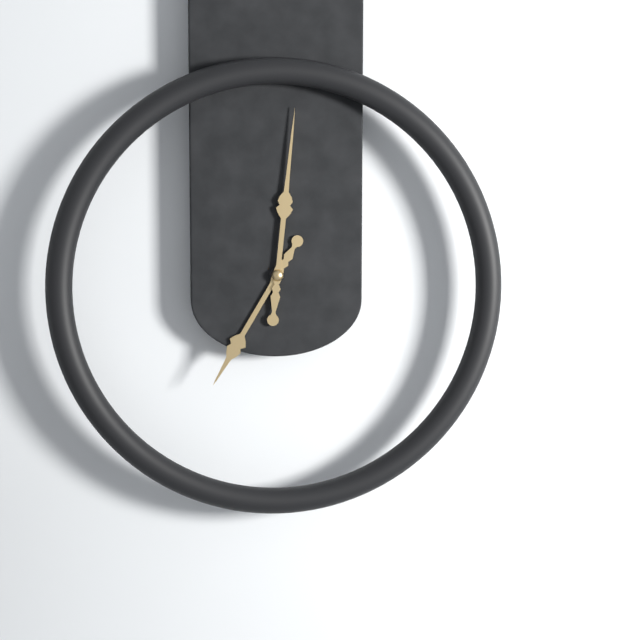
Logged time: 7 h 01 min
